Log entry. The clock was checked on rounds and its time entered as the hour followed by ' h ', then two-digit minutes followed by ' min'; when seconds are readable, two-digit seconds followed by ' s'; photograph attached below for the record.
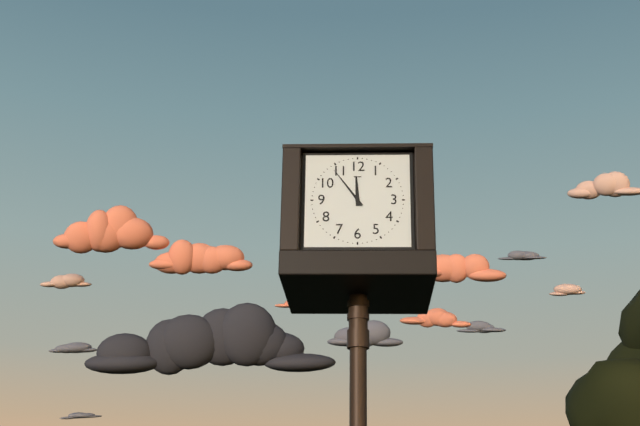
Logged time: 11 h 54 min
